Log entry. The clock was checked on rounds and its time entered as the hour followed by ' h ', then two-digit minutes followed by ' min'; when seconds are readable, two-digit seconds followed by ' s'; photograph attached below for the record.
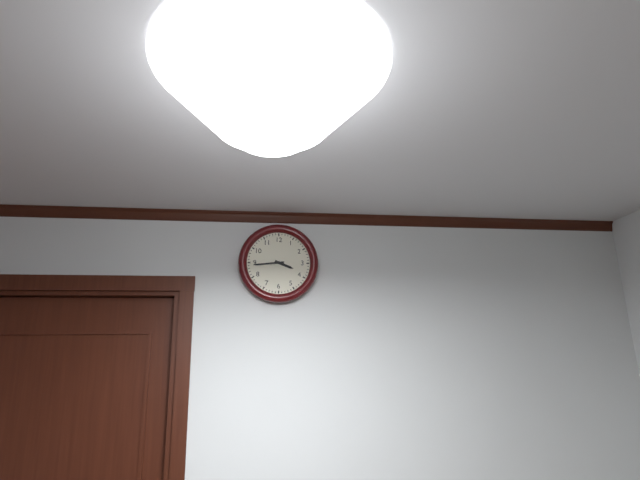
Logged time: 3 h 44 min
